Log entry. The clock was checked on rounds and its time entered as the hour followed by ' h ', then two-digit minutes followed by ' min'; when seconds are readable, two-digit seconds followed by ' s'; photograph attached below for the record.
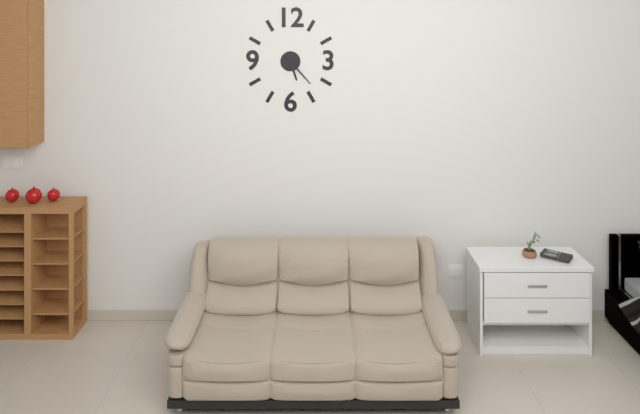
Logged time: 5 h 23 min
